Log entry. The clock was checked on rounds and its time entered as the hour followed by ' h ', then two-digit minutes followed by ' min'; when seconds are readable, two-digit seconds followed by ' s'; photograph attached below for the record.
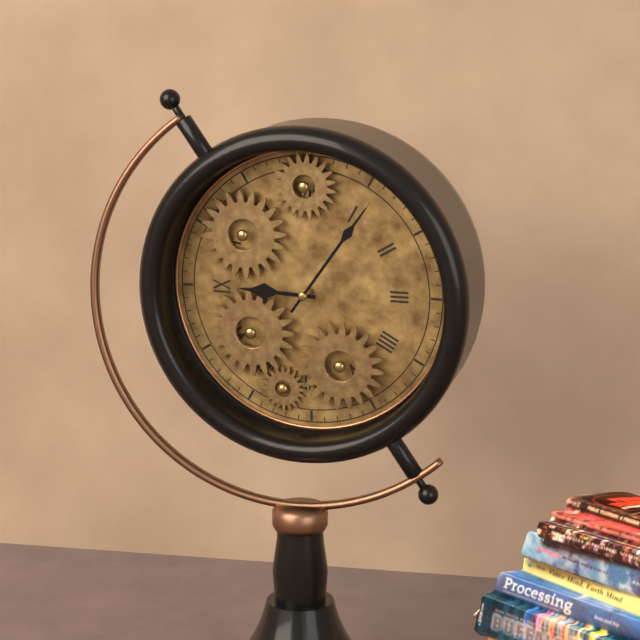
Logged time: 9 h 06 min
